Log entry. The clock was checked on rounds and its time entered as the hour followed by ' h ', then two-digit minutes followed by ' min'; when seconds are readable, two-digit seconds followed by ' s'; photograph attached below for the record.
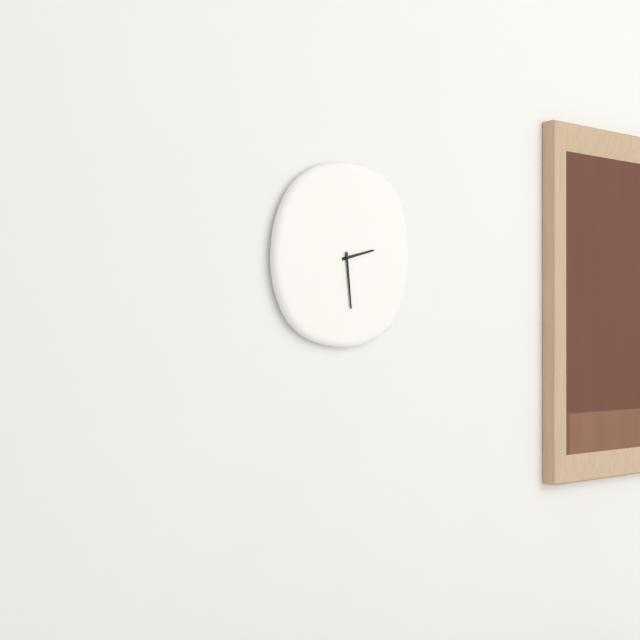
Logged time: 2 h 29 min
